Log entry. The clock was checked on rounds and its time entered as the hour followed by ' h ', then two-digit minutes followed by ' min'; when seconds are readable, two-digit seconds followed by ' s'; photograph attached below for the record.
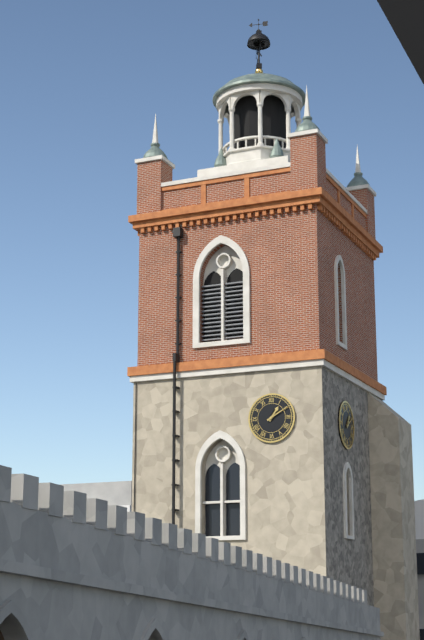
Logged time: 1 h 10 min
